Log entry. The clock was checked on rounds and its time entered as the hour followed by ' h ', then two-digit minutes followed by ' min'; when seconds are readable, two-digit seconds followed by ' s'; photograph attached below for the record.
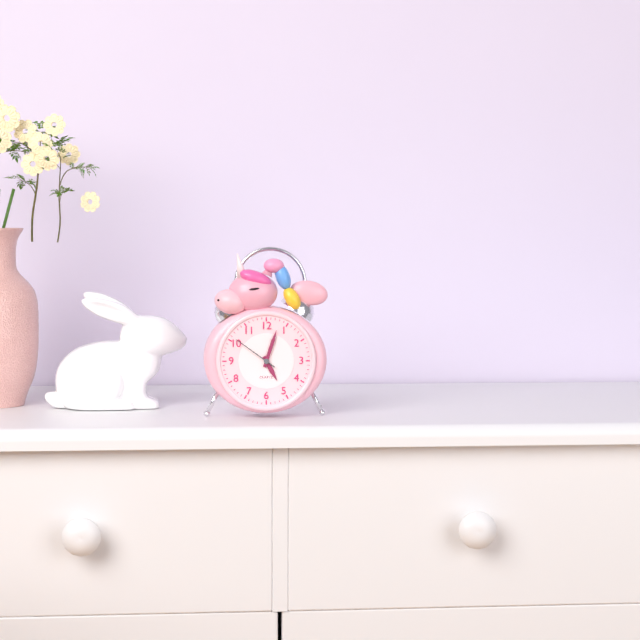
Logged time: 5 h 03 min
